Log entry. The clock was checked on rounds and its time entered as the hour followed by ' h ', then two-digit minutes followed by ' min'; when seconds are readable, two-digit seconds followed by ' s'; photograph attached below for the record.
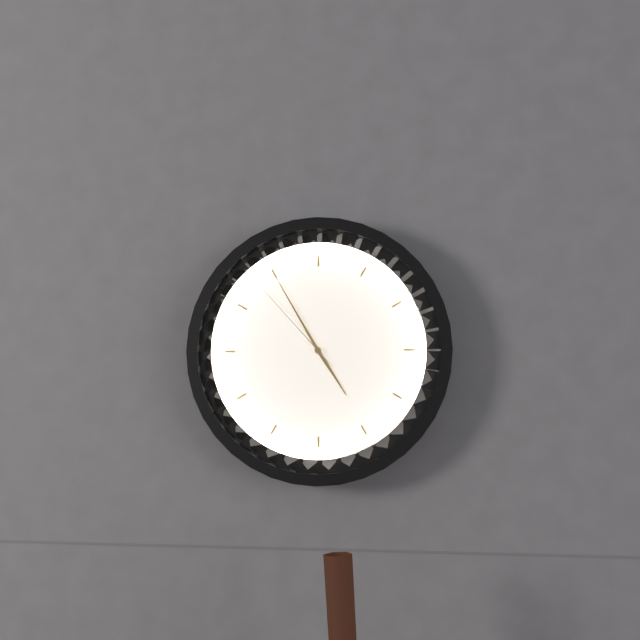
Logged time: 4 h 55 min 53 s
